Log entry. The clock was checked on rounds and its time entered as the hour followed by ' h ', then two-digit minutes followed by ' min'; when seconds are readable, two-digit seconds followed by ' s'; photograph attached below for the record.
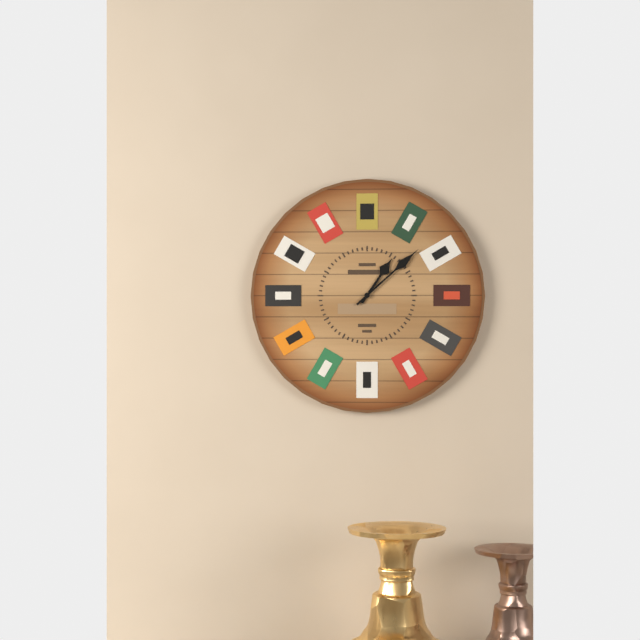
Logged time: 1 h 08 min
